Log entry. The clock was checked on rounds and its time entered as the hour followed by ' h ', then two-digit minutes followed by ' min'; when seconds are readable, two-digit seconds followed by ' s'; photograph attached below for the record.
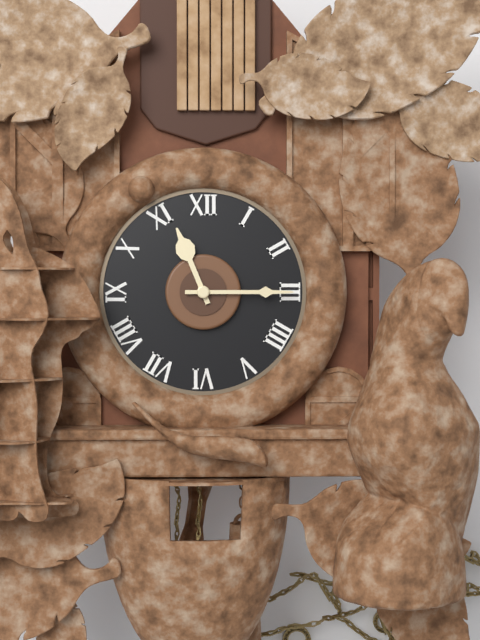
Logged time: 11 h 15 min
